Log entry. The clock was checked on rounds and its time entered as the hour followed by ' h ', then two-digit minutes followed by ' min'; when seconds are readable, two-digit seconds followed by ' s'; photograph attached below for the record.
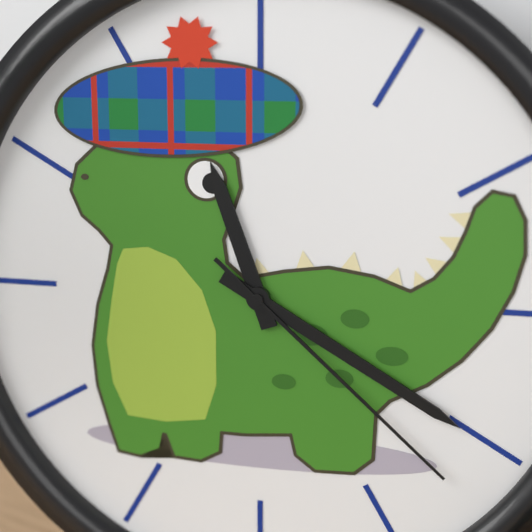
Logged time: 11 h 20 min 22 s
